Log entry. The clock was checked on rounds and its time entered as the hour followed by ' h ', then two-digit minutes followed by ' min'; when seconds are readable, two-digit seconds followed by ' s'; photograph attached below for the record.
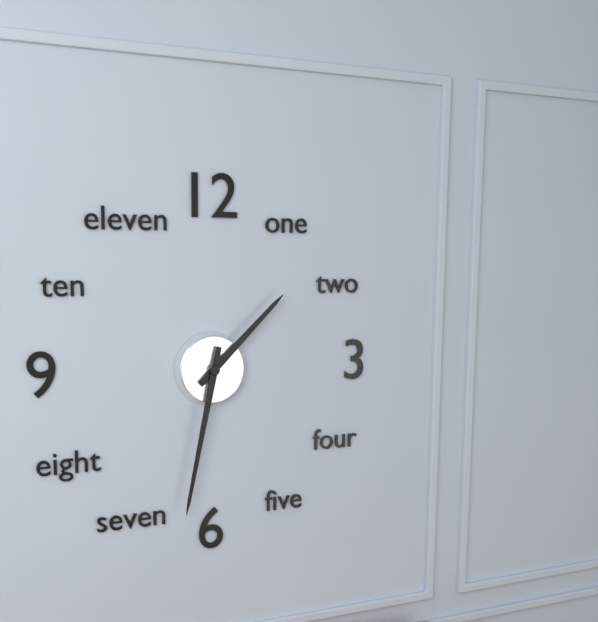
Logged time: 1 h 32 min
